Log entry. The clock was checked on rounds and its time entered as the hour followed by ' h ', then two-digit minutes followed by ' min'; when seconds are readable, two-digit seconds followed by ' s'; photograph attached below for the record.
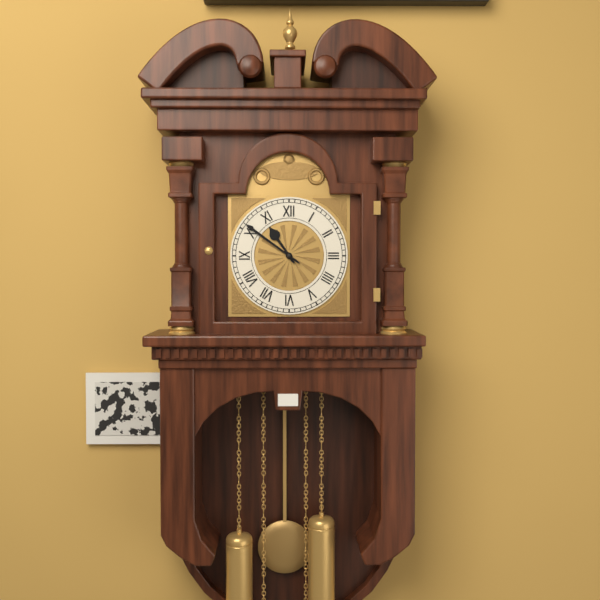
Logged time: 10 h 51 min
